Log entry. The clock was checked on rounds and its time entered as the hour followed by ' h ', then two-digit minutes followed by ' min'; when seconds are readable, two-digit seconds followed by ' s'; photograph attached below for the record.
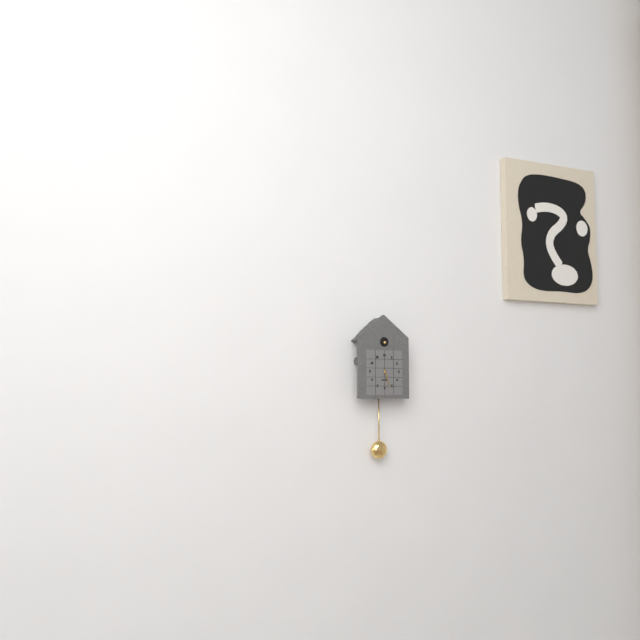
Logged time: 5 h 27 min
